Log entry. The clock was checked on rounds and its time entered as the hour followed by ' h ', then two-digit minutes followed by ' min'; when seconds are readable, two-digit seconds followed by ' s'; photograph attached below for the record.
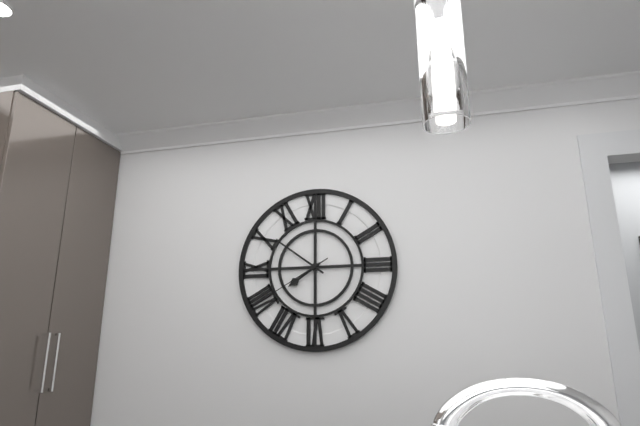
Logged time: 7 h 51 min 40 s
